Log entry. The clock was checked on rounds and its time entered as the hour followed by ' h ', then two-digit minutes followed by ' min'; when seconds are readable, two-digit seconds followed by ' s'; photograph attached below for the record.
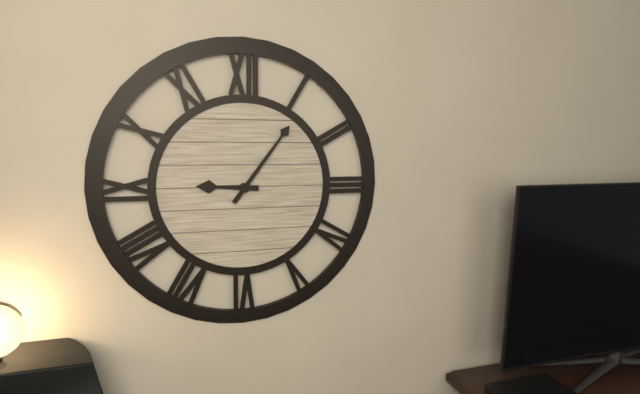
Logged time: 9 h 06 min
